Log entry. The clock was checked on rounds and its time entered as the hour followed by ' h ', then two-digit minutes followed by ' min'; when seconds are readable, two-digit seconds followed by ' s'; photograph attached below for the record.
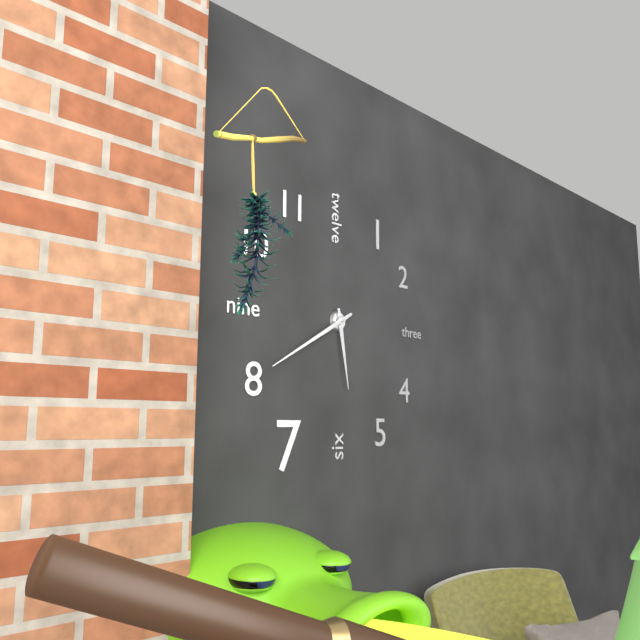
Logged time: 5 h 40 min
